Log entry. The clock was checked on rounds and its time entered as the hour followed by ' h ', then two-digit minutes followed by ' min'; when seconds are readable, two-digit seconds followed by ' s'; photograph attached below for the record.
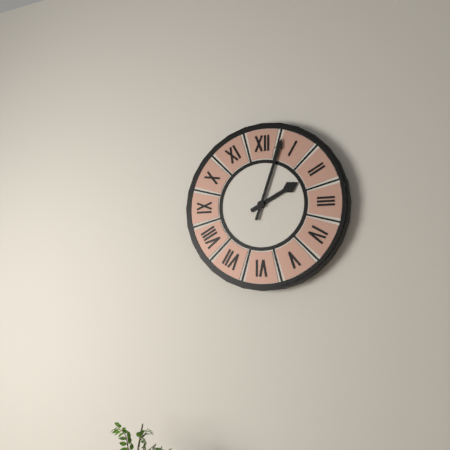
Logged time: 2 h 03 min
